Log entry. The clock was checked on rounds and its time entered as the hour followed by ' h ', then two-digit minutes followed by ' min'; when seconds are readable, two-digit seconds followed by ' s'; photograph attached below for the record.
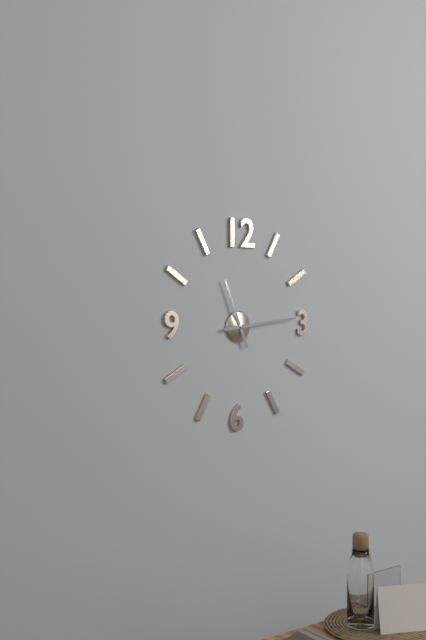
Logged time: 11 h 14 min
